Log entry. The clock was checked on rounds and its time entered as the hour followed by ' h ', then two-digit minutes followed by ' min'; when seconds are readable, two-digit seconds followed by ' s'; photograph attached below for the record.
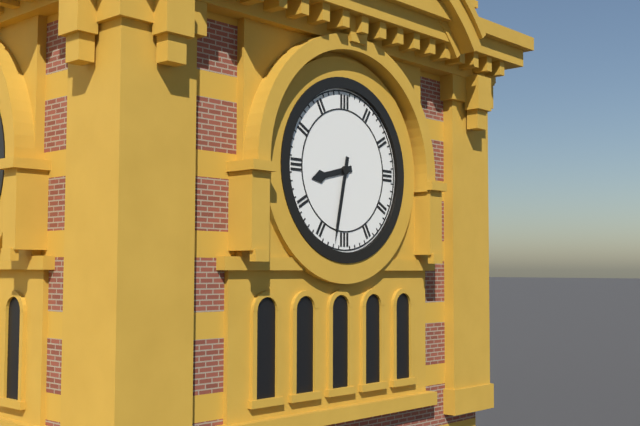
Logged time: 8 h 32 min
